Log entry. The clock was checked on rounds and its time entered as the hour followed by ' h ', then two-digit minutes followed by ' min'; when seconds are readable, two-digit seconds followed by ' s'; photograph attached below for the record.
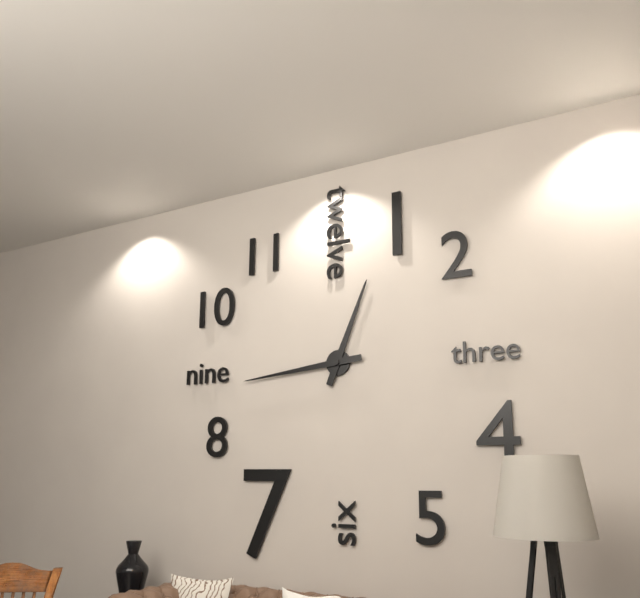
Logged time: 12 h 44 min
